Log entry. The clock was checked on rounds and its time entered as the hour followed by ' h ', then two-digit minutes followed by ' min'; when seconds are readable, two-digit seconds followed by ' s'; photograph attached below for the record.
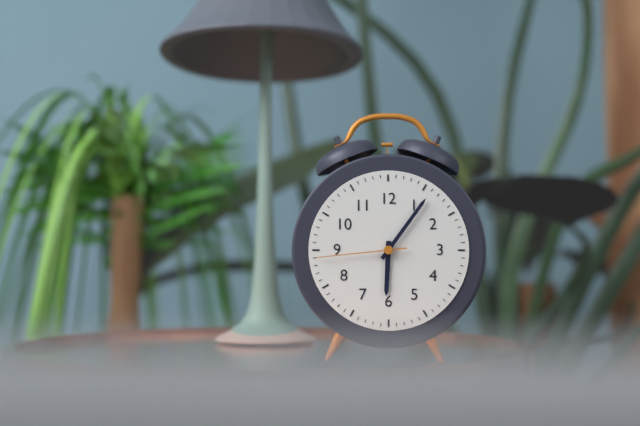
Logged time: 6 h 06 min 44 s
